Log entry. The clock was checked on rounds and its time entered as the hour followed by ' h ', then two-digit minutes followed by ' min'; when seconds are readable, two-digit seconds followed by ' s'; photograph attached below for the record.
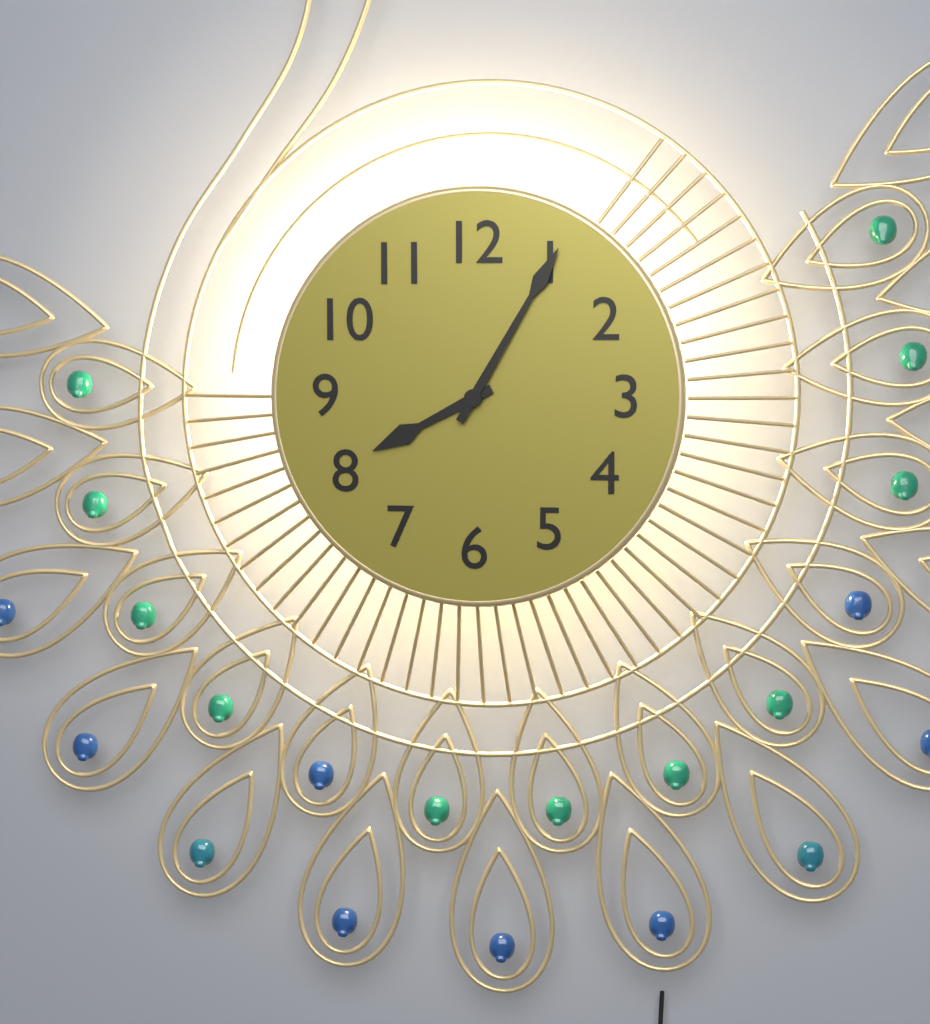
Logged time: 8 h 05 min
